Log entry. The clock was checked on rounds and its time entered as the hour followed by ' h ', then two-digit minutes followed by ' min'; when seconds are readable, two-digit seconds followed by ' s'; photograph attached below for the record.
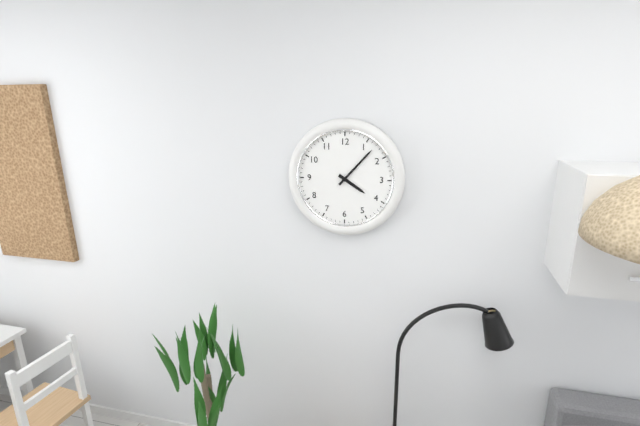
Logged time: 4 h 07 min
